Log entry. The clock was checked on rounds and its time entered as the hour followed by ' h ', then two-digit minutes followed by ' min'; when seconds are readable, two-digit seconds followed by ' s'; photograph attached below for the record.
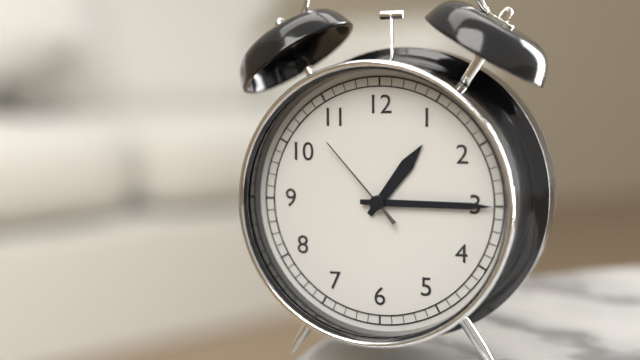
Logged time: 1 h 15 min 53 s
